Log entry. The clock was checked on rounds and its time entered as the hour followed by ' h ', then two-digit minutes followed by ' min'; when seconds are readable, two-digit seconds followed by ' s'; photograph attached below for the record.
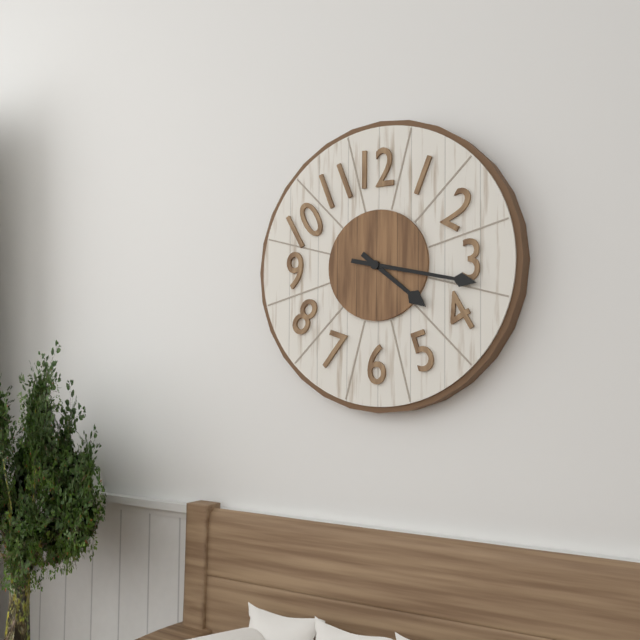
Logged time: 4 h 17 min
